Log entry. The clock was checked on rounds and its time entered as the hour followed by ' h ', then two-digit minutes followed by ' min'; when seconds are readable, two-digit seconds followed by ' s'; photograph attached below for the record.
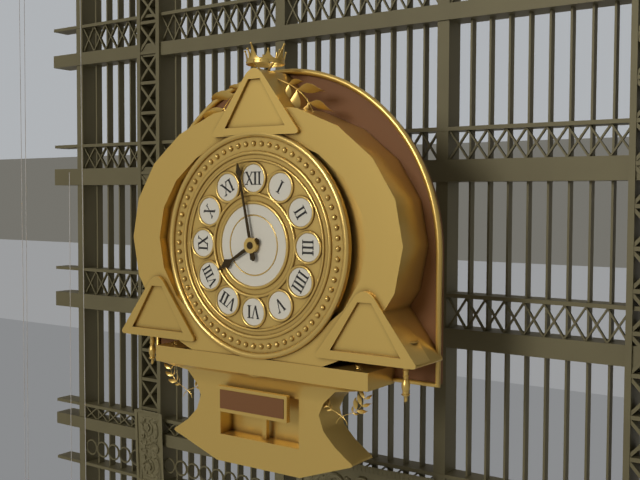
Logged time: 7 h 58 min
